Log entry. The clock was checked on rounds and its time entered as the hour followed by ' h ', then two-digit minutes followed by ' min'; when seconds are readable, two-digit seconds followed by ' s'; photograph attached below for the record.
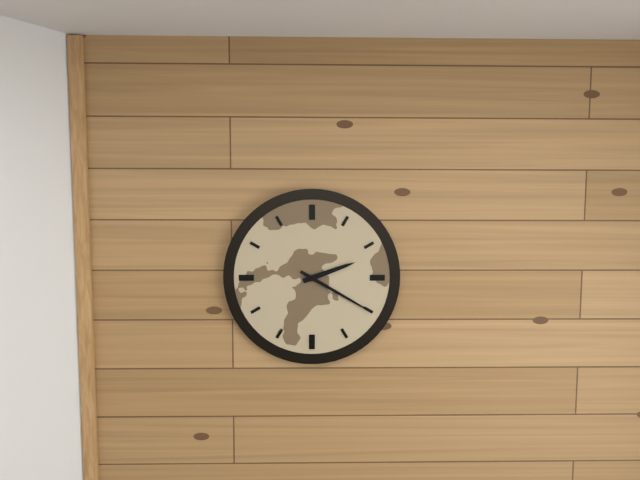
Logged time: 2 h 20 min
